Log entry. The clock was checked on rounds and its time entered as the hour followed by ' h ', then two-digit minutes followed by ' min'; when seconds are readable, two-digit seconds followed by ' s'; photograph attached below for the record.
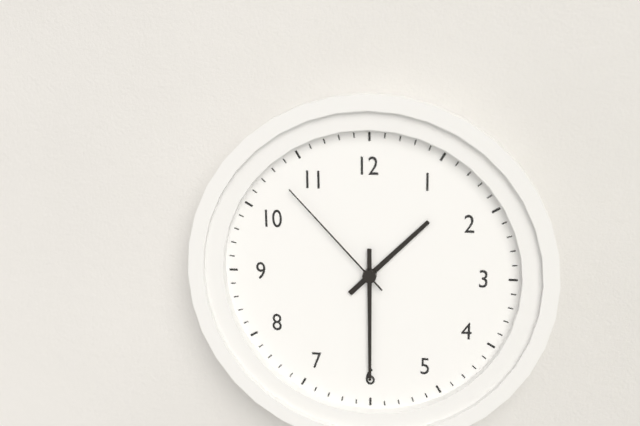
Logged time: 1 h 30 min 53 s
